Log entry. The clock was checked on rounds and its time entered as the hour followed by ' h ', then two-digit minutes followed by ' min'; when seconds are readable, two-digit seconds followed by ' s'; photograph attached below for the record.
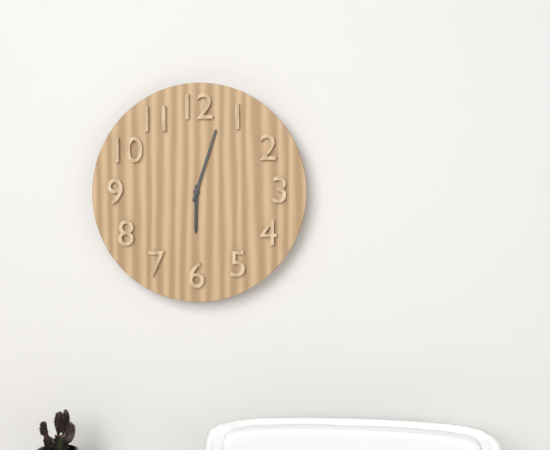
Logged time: 6 h 03 min
